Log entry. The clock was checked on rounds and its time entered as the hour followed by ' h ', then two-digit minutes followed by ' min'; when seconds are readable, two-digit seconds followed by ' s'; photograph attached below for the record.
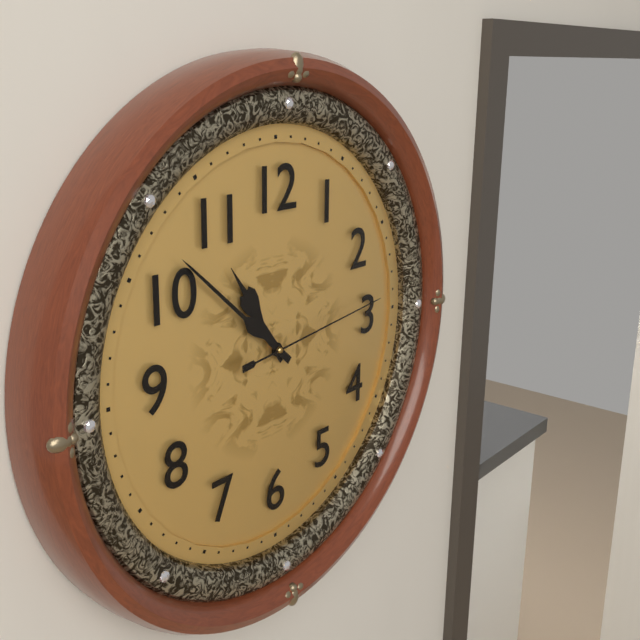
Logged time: 10 h 52 min 14 s
